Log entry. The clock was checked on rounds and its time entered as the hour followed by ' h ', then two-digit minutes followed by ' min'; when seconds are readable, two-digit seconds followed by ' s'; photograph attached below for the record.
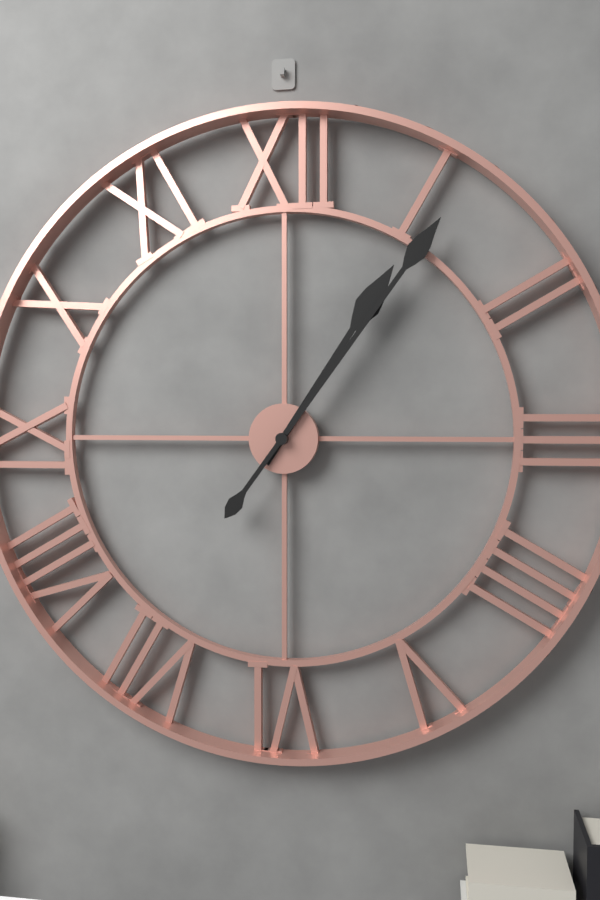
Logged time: 1 h 06 min
